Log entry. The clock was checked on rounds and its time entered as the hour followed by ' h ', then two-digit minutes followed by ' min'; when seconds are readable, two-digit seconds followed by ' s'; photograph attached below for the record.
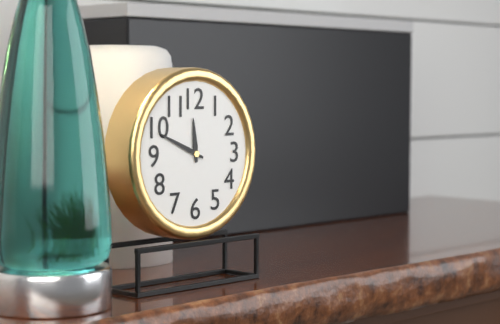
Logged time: 11 h 49 min
